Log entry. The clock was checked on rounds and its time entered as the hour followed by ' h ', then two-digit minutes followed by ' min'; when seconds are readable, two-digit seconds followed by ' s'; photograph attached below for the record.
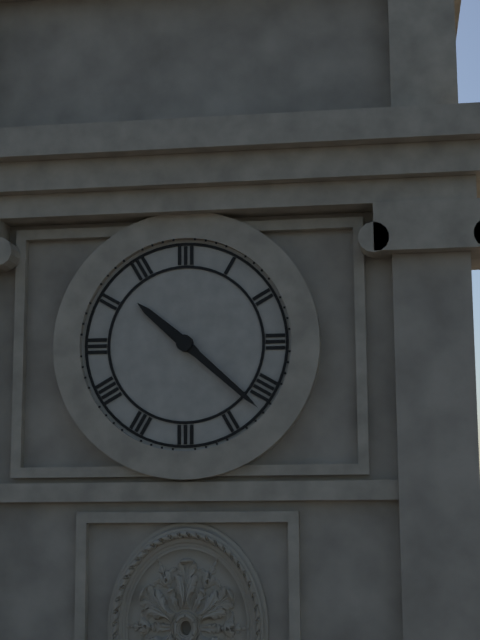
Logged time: 10 h 22 min
